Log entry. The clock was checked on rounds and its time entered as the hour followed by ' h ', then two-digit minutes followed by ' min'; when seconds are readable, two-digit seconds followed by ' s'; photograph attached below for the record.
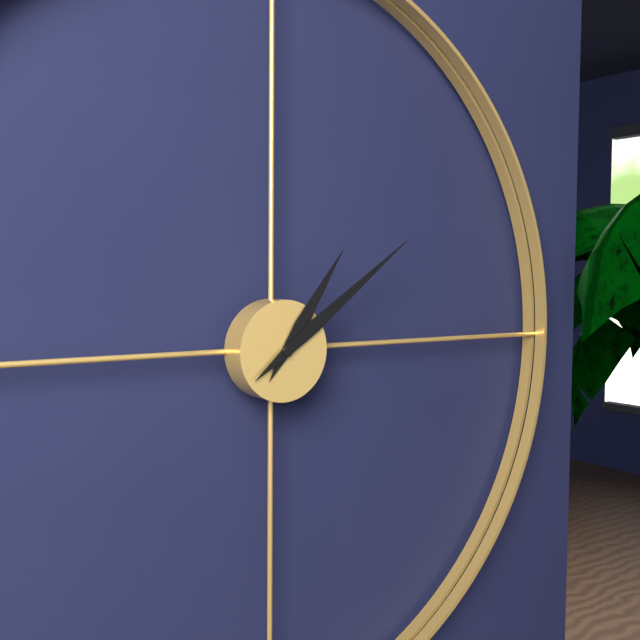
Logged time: 1 h 09 min
